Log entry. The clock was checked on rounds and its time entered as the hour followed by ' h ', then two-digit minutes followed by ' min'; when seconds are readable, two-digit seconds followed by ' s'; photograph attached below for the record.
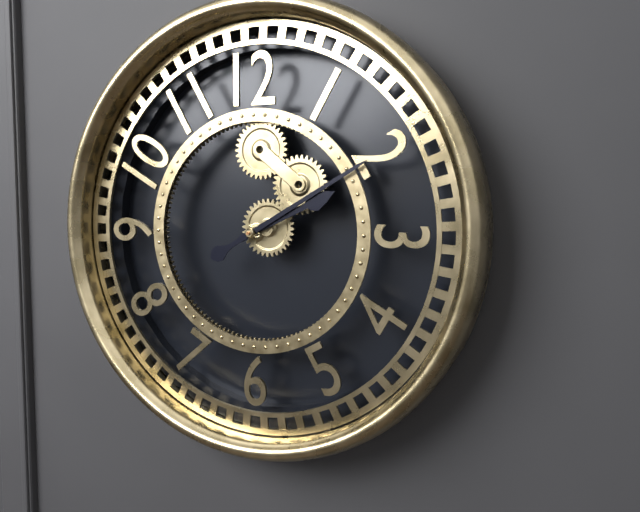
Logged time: 2 h 10 min
